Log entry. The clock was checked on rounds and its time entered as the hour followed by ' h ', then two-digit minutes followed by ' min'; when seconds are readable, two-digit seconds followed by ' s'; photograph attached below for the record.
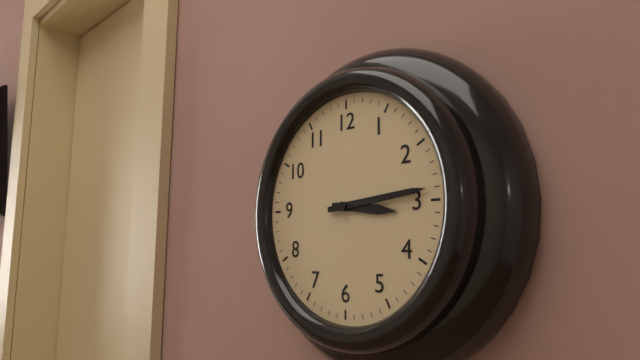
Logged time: 3 h 14 min
